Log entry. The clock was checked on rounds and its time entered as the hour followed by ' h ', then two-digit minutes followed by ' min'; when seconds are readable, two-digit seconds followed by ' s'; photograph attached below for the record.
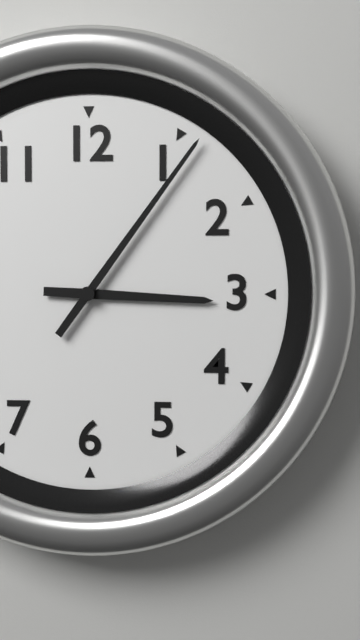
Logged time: 3 h 06 min
